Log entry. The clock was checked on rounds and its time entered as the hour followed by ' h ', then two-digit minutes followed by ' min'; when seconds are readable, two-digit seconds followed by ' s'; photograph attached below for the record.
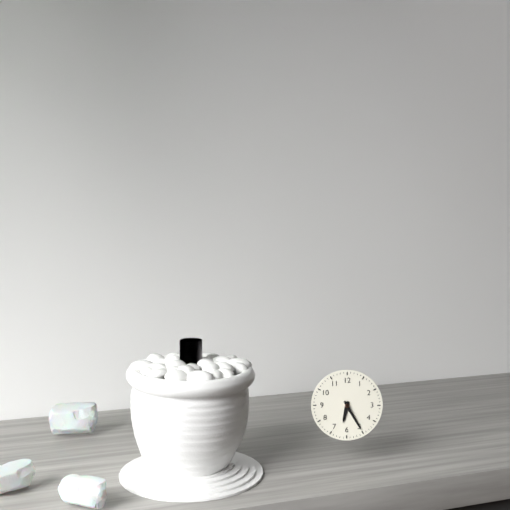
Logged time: 6 h 25 min
